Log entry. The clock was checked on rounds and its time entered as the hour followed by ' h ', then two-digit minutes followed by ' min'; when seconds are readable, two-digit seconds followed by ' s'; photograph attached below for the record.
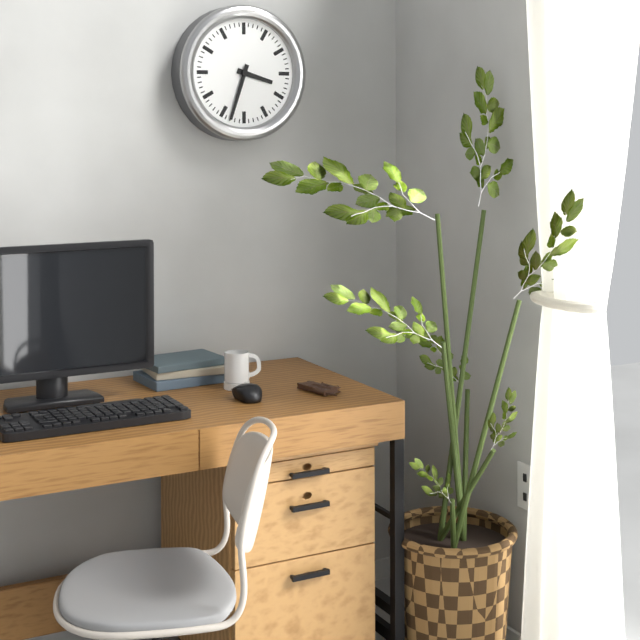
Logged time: 3 h 33 min
